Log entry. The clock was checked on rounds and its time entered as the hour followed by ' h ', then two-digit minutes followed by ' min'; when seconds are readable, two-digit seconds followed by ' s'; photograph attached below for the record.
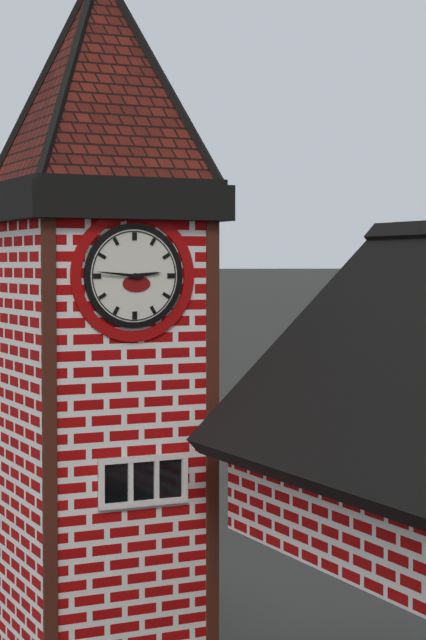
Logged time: 2 h 46 min
